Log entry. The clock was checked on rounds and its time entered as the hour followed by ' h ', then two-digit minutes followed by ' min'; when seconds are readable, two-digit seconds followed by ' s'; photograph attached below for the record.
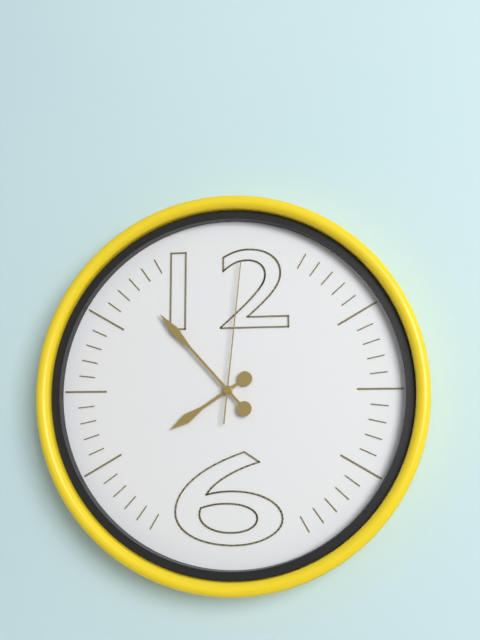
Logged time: 7 h 53 min 01 s
